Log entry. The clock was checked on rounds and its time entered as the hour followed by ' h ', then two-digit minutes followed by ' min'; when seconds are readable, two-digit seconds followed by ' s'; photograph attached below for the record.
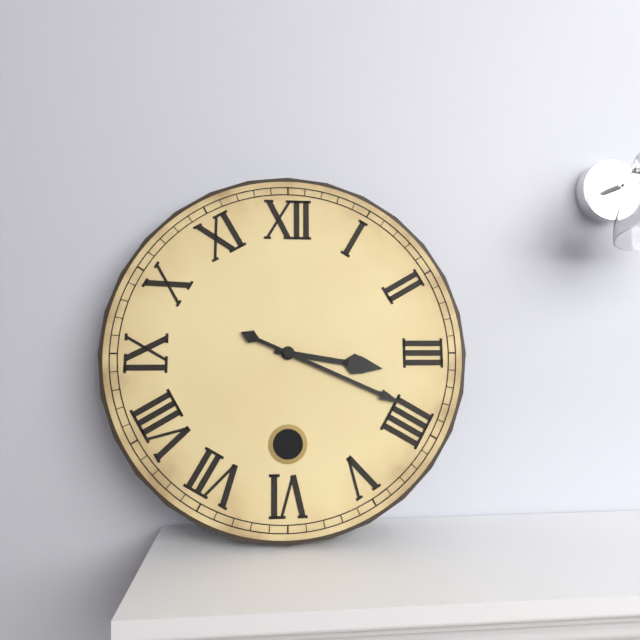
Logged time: 3 h 19 min
